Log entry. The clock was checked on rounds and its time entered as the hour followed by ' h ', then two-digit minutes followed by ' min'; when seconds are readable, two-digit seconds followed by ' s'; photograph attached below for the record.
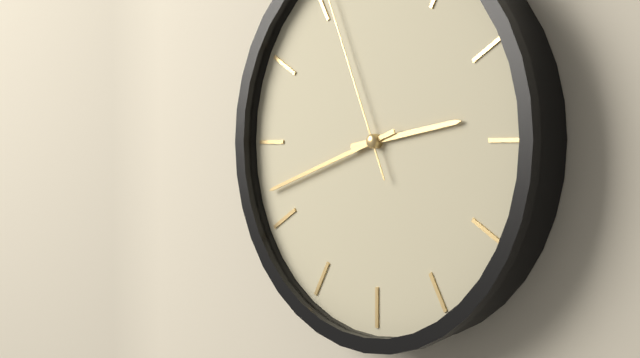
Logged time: 2 h 42 min
